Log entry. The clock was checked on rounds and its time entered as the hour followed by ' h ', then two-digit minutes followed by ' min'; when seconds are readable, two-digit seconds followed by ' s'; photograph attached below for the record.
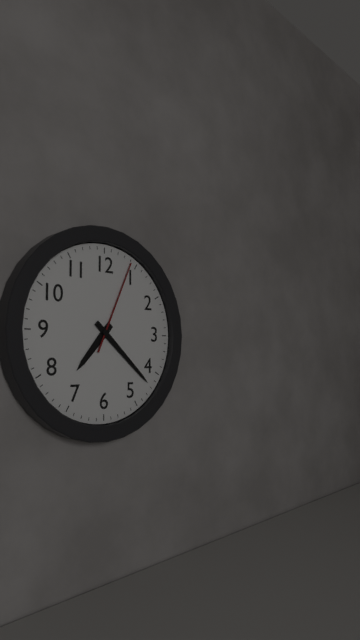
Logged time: 7 h 22 min 04 s
